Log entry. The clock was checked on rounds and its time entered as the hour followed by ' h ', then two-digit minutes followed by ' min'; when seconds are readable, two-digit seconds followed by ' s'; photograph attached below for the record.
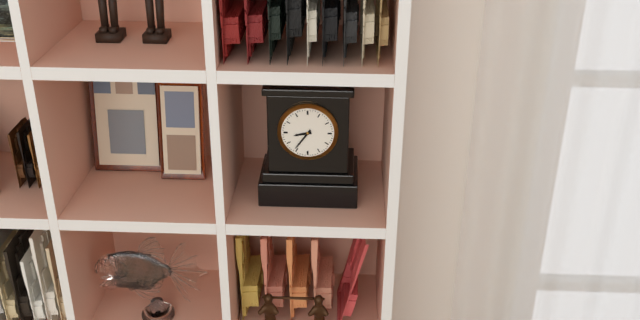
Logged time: 8 h 36 min
